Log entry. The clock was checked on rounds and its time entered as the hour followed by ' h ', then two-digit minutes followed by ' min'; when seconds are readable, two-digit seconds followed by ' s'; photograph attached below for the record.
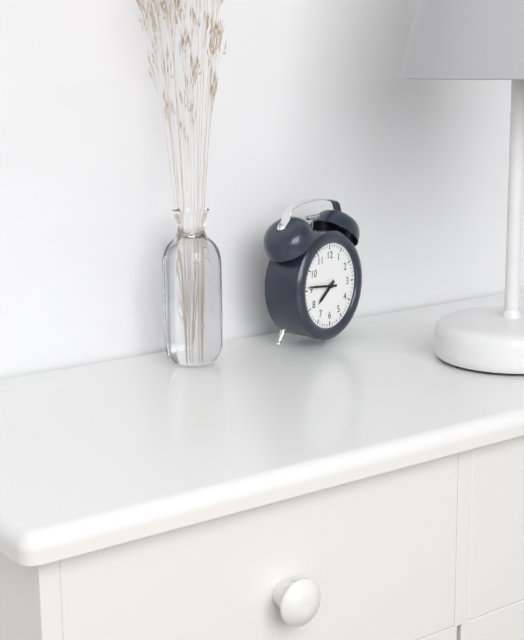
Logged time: 7 h 46 min
